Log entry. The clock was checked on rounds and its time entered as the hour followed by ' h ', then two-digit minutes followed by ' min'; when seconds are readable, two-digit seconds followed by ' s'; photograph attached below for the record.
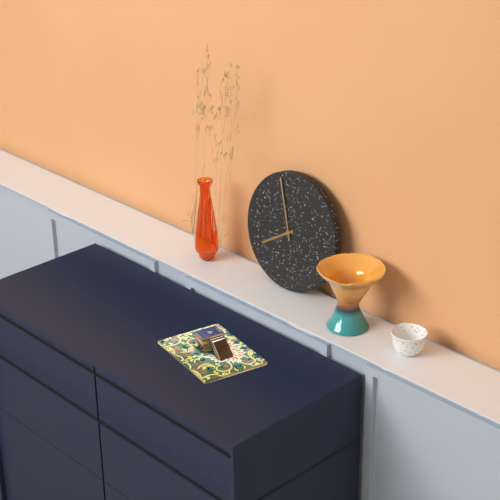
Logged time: 7 h 57 min
